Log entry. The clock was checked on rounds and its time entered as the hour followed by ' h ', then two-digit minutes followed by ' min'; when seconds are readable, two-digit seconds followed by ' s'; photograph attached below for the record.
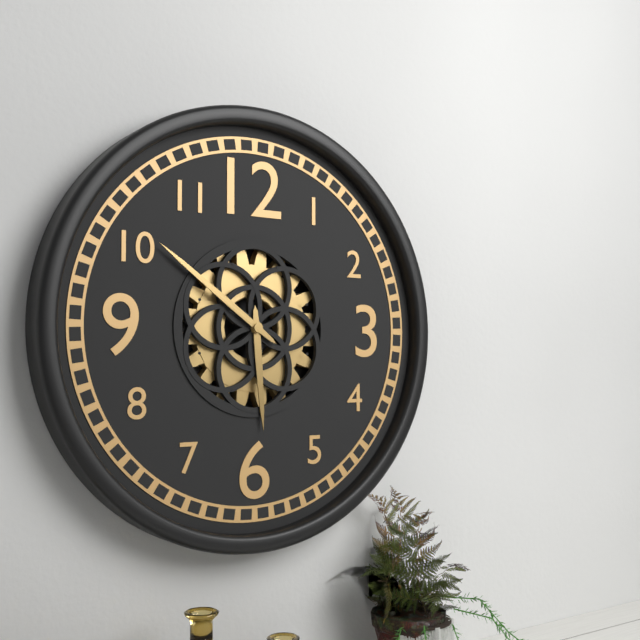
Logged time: 5 h 51 min
